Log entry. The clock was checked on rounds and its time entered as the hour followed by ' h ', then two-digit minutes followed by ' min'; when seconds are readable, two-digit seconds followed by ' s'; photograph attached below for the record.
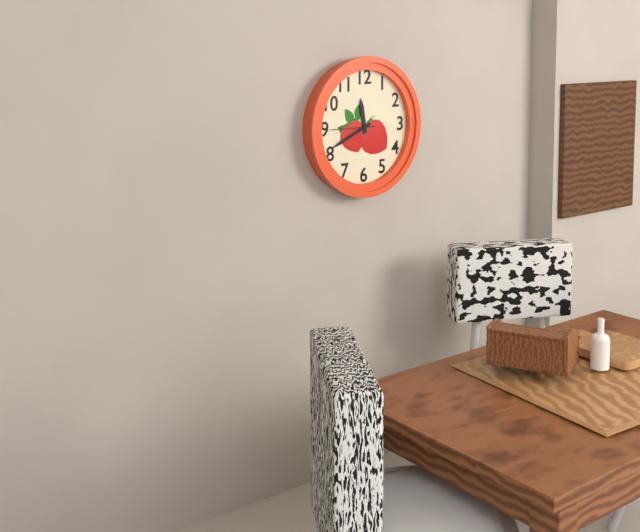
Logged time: 11 h 41 min
